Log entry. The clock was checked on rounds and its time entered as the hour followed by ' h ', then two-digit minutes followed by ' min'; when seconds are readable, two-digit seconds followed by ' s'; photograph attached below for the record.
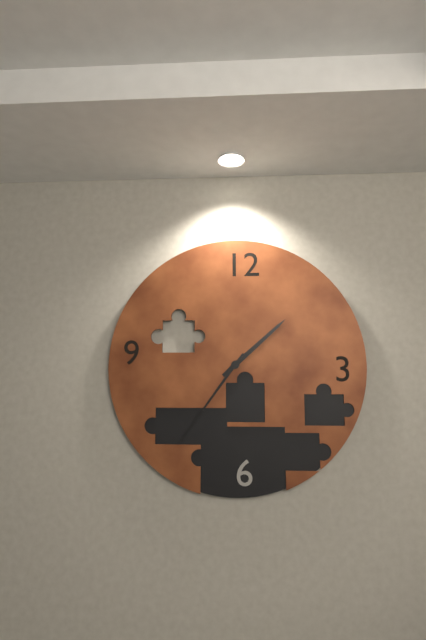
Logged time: 1 h 36 min
